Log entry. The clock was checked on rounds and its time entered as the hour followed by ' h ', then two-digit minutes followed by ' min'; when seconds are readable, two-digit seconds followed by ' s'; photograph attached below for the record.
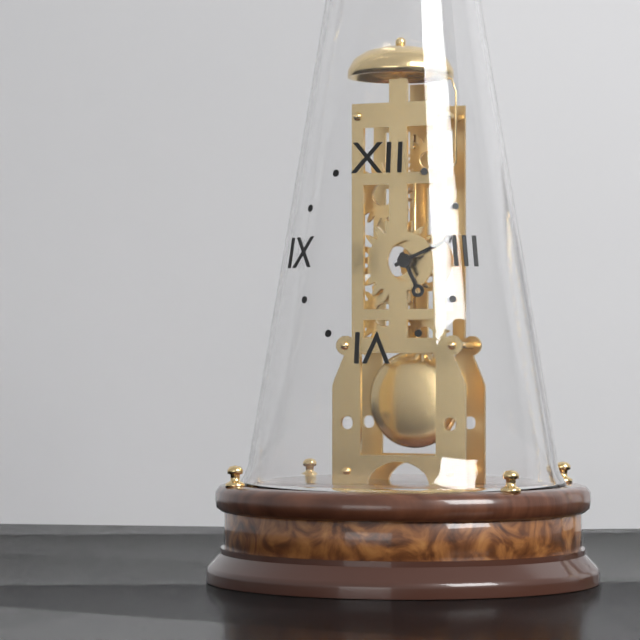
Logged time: 5 h 11 min
